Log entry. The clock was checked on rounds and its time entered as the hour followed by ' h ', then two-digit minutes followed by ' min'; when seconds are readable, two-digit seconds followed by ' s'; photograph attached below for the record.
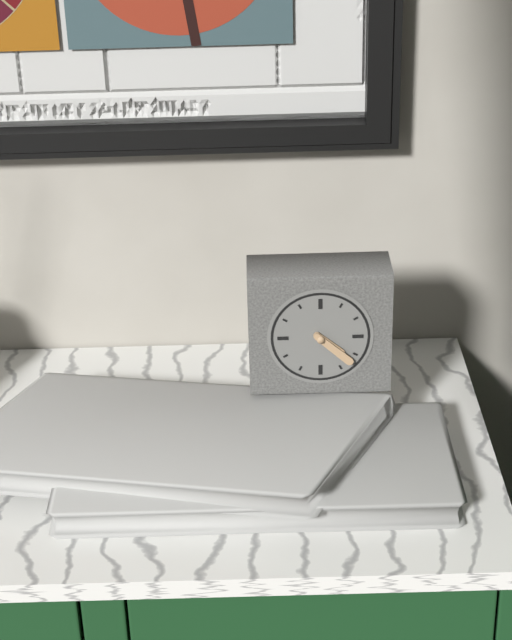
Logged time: 4 h 22 min
